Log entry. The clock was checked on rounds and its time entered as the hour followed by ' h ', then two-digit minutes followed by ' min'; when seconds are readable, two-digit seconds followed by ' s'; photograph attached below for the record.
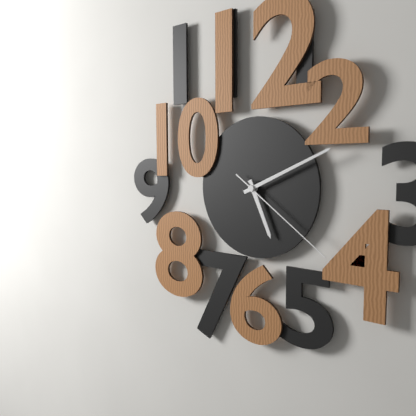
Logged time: 5 h 11 min 21 s
